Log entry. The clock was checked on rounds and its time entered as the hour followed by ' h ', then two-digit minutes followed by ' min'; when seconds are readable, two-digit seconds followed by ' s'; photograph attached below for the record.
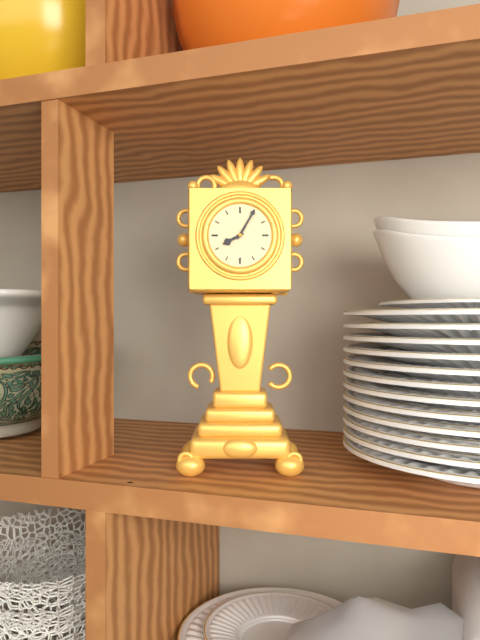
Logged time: 8 h 05 min
